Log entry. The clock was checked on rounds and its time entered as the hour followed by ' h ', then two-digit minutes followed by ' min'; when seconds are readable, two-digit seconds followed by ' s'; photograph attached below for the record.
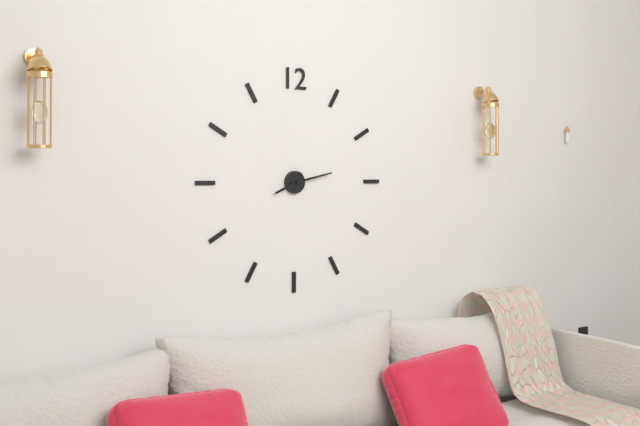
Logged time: 8 h 13 min
